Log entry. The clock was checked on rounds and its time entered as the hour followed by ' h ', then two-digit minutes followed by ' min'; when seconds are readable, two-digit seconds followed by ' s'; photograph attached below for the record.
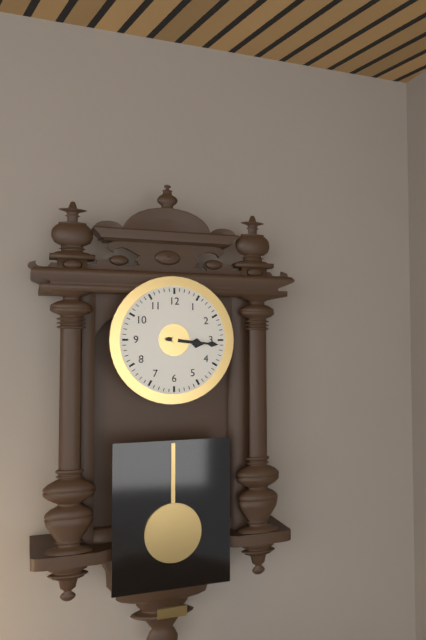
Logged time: 3 h 16 min
